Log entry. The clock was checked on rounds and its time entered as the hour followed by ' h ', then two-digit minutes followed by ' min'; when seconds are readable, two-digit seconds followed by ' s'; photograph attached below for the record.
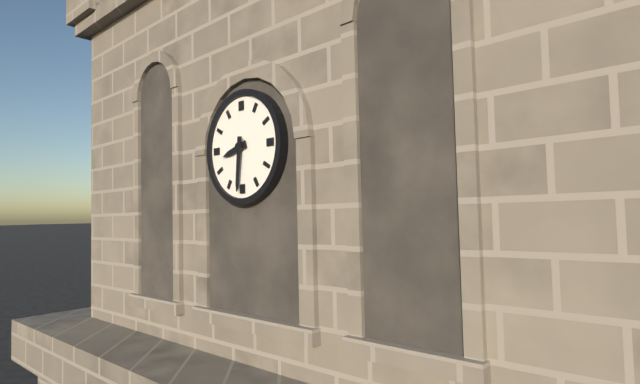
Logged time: 8 h 31 min
